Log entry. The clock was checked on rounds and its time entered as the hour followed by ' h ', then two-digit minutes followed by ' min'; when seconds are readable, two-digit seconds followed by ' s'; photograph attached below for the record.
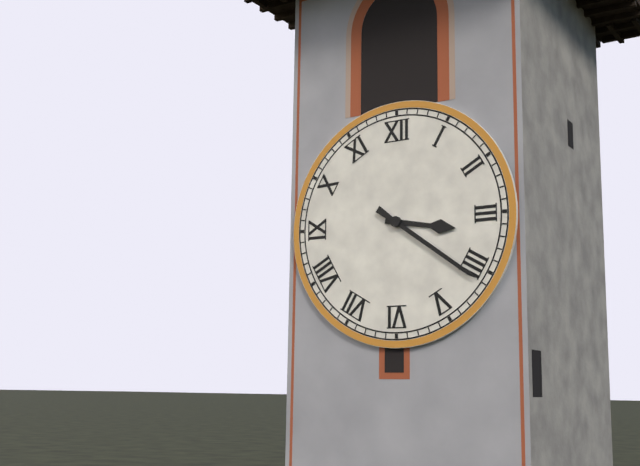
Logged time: 3 h 21 min
